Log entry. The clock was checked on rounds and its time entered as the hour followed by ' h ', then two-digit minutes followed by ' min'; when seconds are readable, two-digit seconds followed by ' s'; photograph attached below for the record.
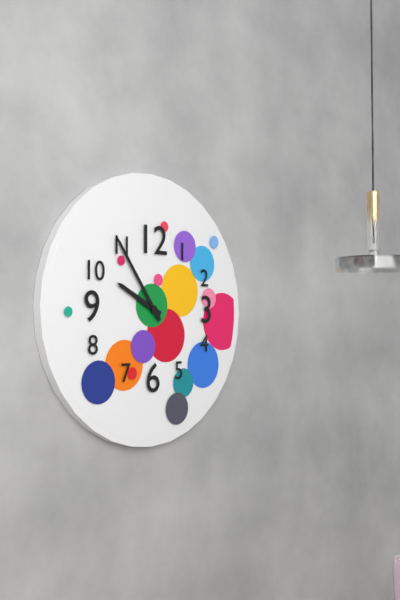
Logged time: 9 h 54 min
